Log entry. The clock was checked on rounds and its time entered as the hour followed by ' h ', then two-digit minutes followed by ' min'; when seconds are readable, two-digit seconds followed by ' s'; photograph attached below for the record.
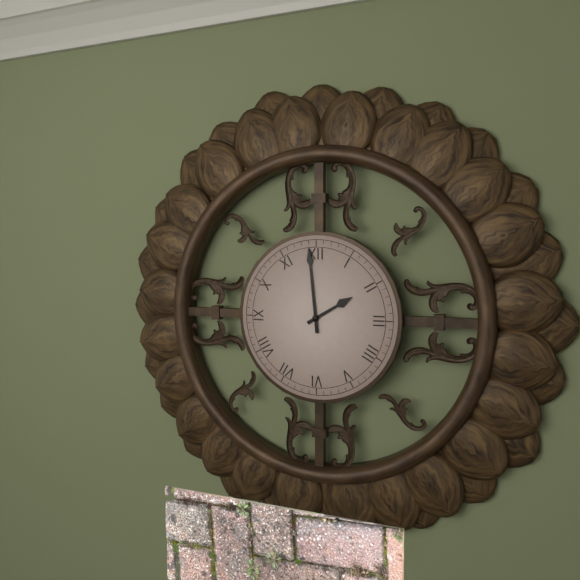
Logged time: 1 h 59 min
